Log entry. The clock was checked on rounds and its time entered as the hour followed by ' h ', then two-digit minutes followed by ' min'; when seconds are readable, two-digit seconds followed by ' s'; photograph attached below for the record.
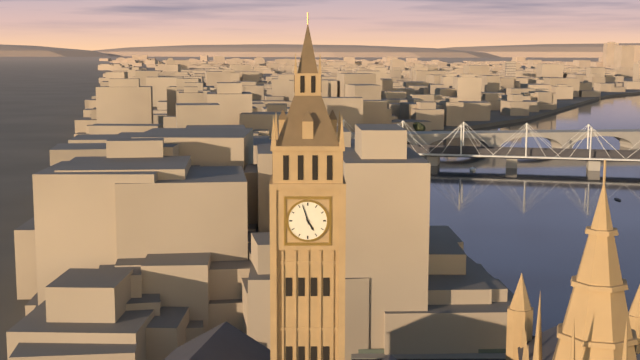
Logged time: 4 h 57 min
